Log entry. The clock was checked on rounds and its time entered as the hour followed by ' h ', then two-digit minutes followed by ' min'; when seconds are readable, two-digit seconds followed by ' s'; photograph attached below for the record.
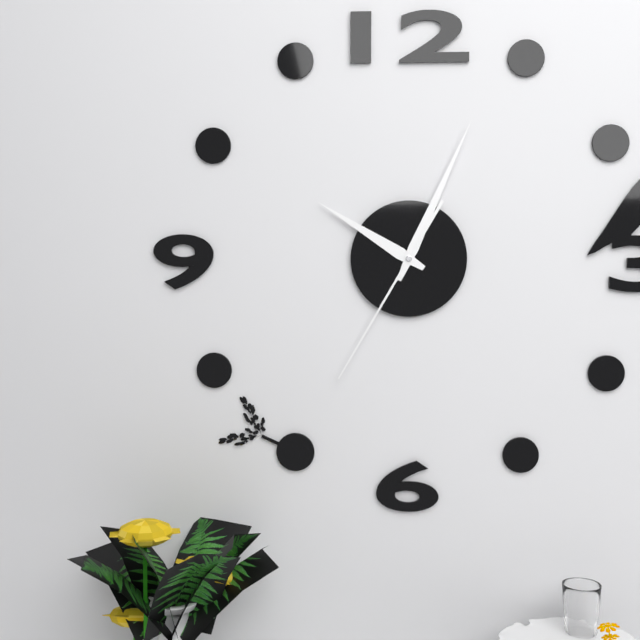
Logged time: 10 h 04 min 35 s
